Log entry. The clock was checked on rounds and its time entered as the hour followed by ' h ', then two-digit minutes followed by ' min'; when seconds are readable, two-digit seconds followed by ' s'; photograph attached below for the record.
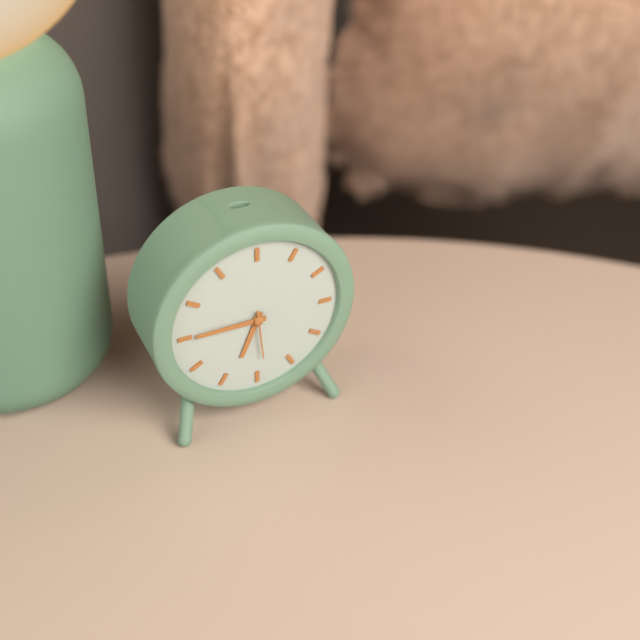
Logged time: 6 h 45 min
